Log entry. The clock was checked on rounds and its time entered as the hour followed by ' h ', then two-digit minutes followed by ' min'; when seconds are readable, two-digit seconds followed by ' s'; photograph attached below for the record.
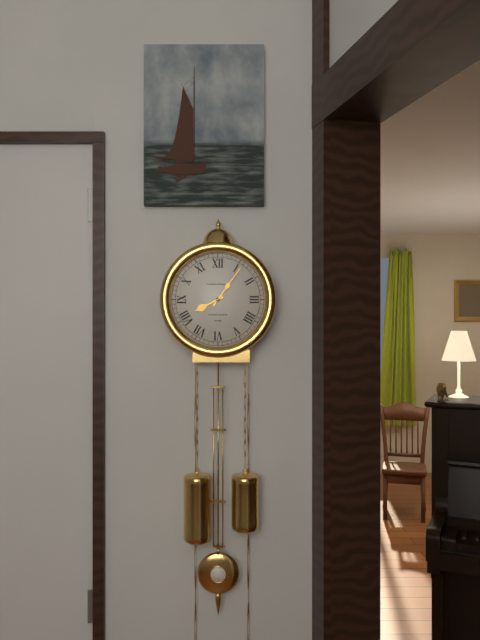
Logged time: 8 h 06 min
